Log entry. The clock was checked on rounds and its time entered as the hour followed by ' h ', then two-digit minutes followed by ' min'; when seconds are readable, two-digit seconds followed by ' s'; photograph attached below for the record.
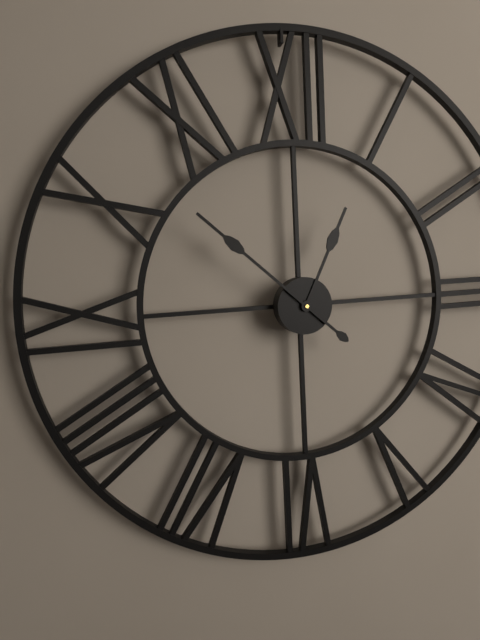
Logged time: 12 h 52 min
